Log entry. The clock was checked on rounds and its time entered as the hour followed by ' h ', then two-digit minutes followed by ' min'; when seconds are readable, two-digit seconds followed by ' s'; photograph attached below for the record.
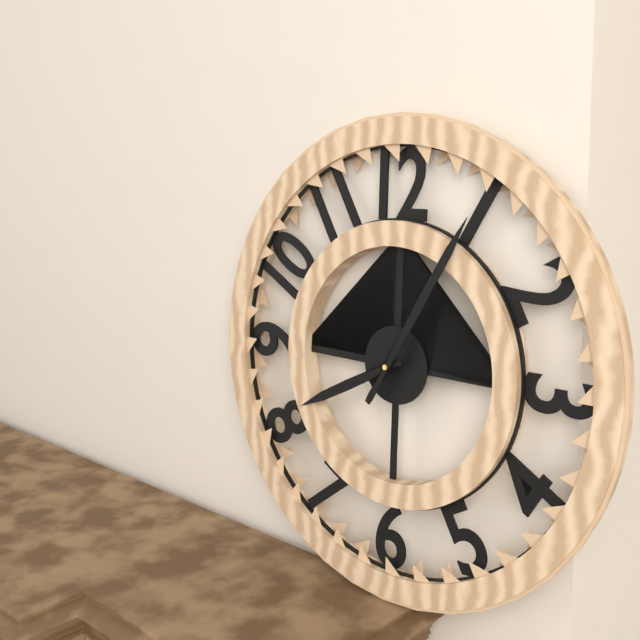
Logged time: 8 h 05 min
